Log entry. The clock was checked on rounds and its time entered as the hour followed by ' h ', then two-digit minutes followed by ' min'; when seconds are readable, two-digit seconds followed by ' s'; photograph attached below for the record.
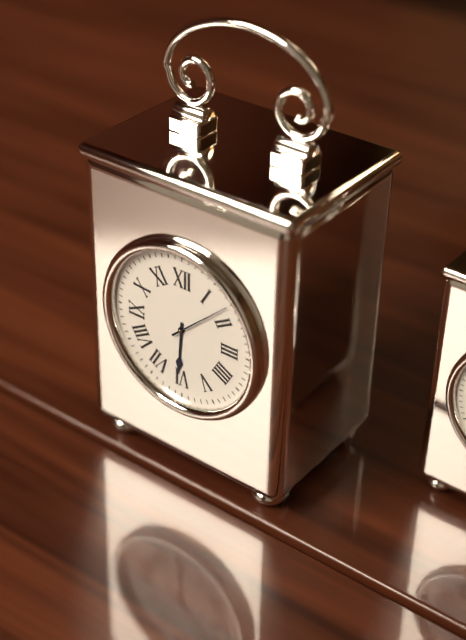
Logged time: 6 h 08 min
